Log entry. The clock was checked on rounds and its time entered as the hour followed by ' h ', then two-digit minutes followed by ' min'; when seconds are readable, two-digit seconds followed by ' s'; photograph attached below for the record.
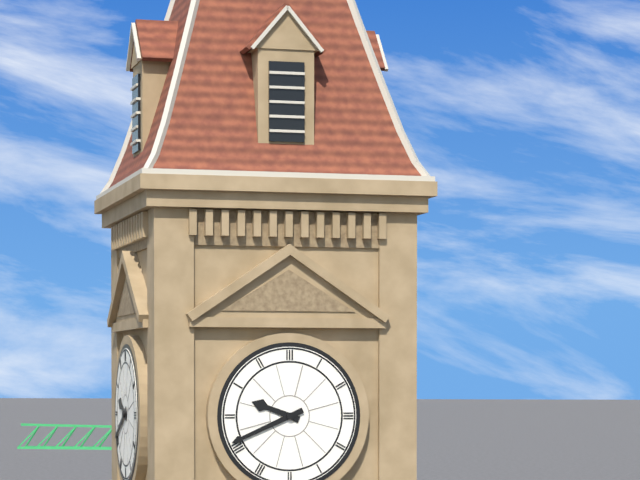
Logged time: 9 h 41 min
